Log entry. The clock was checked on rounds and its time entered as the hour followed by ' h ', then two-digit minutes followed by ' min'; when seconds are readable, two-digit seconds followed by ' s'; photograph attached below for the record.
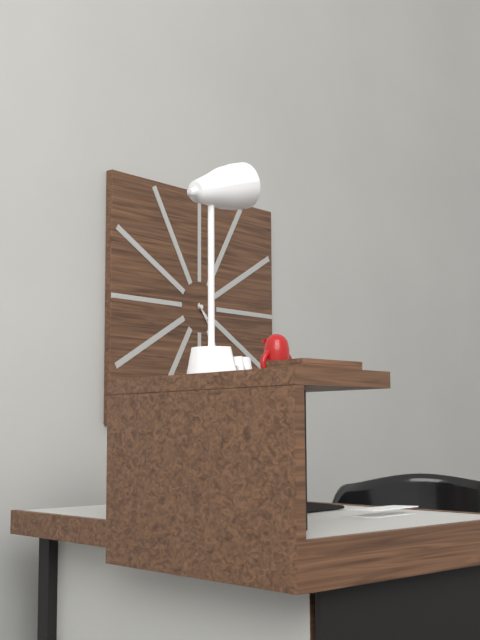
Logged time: 4 h 24 min
